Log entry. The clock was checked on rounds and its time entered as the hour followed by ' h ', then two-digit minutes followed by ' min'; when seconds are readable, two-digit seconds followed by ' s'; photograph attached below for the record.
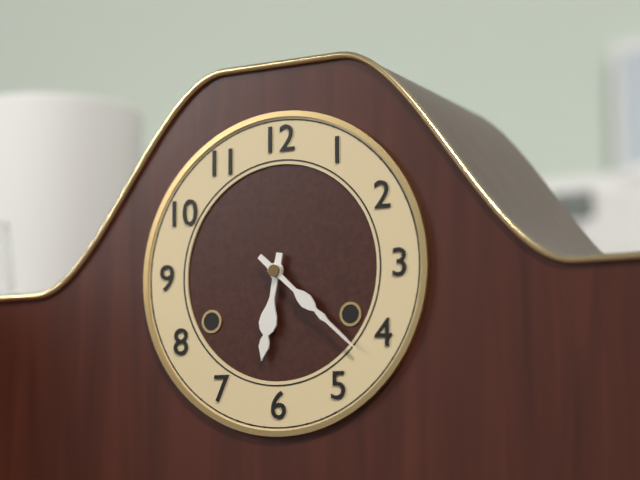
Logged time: 6 h 22 min
